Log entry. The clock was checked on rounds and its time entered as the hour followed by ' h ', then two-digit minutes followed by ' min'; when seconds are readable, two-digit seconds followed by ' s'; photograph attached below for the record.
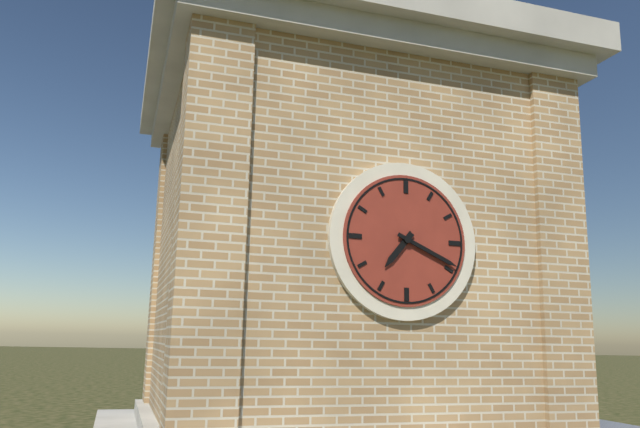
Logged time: 7 h 19 min
